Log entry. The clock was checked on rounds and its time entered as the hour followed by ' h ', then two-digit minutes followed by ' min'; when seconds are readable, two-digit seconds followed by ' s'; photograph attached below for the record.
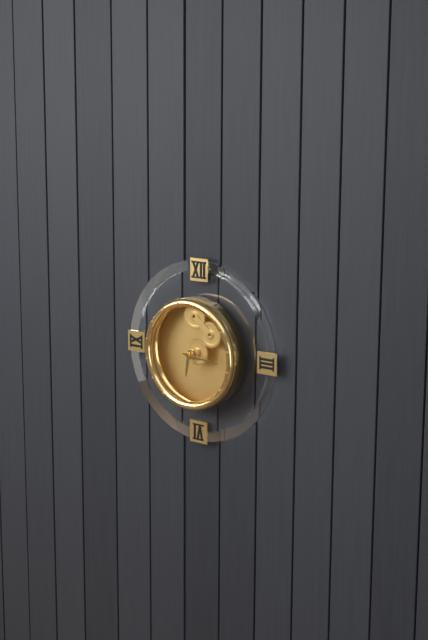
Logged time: 6 h 16 min
